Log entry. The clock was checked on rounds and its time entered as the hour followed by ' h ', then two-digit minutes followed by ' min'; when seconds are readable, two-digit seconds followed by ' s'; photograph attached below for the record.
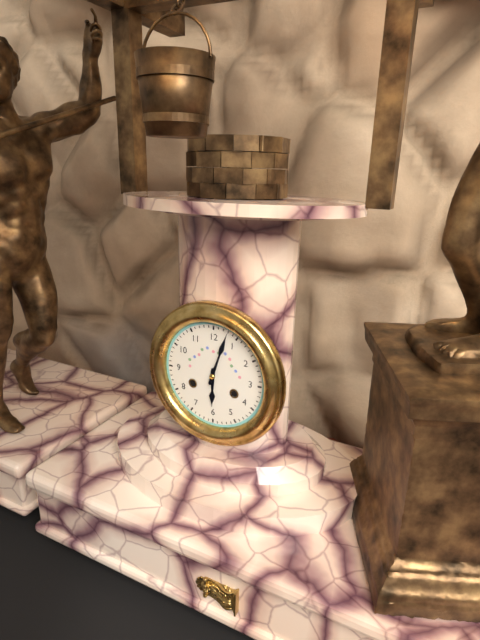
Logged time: 6 h 03 min
